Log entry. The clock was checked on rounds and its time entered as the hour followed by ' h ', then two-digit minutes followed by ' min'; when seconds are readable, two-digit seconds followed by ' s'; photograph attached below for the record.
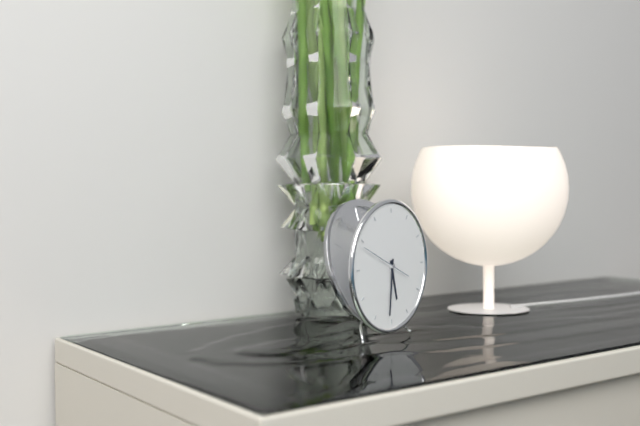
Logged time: 5 h 31 min
